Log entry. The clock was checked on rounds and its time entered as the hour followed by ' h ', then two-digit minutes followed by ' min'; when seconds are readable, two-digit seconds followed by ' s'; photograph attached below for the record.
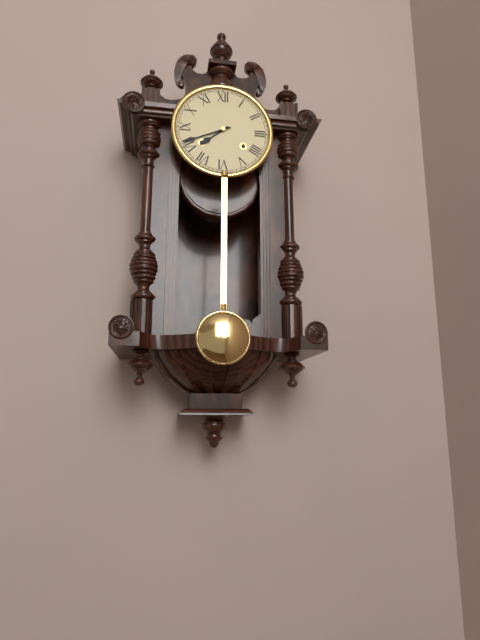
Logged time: 7 h 41 min
